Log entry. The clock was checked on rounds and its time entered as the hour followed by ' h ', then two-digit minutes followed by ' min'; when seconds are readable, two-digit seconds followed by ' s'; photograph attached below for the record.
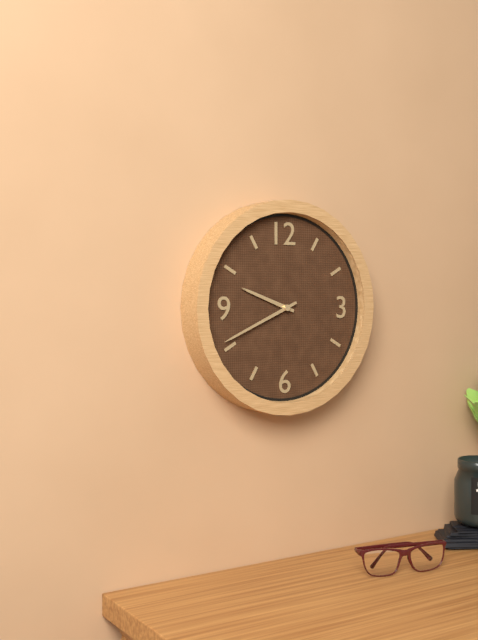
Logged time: 9 h 41 min
